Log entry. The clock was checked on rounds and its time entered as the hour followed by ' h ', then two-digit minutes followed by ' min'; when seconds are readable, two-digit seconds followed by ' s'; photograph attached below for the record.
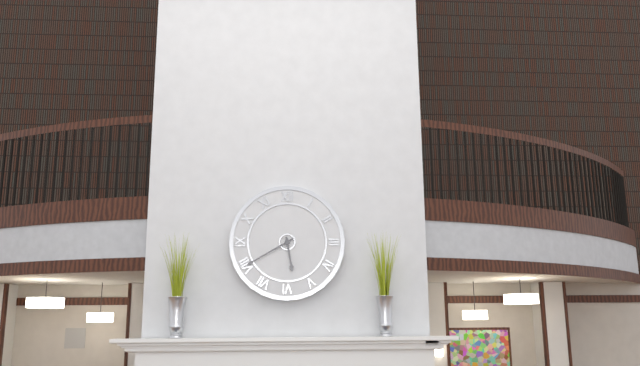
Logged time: 5 h 40 min
